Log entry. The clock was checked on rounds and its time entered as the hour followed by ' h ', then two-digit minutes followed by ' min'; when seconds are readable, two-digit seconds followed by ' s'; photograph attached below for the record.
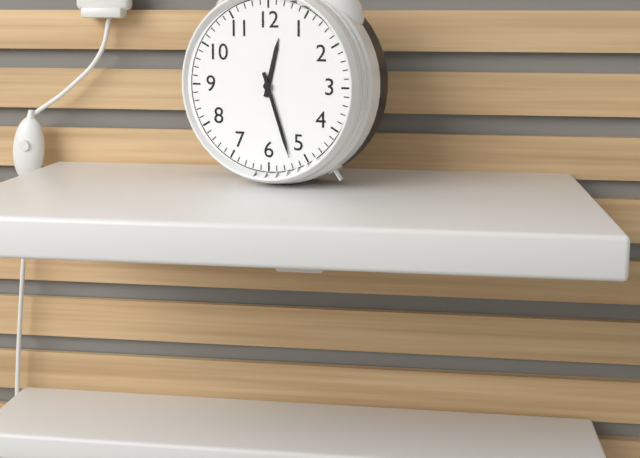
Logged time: 12 h 27 min
